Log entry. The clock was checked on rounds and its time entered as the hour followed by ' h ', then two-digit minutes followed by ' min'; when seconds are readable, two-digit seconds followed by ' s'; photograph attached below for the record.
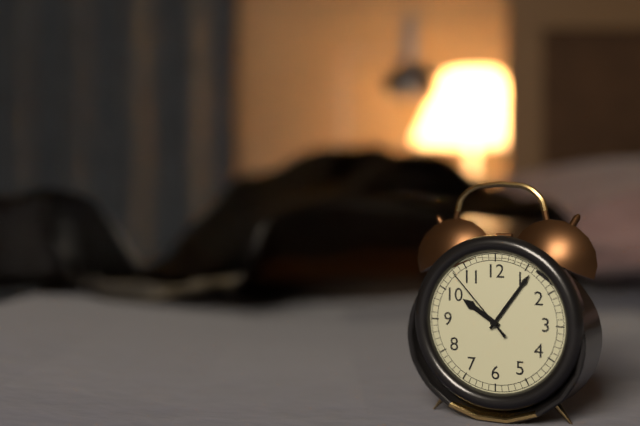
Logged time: 10 h 06 min 53 s
